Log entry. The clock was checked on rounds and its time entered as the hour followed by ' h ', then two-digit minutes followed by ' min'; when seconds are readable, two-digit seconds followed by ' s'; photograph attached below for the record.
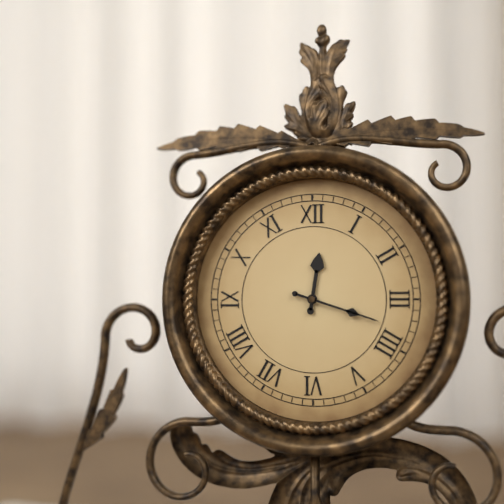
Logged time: 12 h 18 min
